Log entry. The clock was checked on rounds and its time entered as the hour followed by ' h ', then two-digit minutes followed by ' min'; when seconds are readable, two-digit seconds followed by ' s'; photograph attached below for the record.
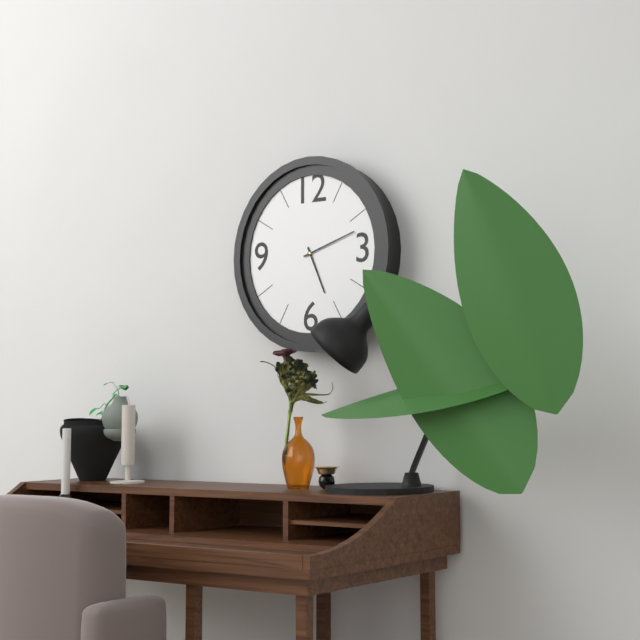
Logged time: 5 h 12 min
